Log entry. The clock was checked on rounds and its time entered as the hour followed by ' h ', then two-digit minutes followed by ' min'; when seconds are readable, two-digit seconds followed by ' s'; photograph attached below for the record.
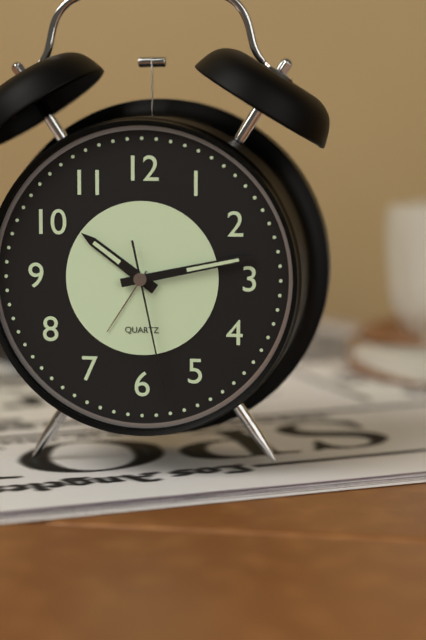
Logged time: 10 h 13 min 28 s
